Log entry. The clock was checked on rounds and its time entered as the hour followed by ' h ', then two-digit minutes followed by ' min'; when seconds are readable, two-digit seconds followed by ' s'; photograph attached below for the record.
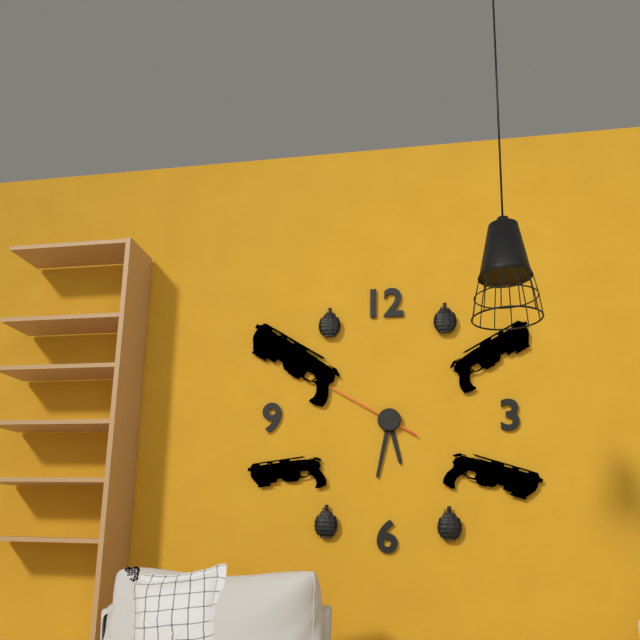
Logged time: 5 h 32 min 50 s
